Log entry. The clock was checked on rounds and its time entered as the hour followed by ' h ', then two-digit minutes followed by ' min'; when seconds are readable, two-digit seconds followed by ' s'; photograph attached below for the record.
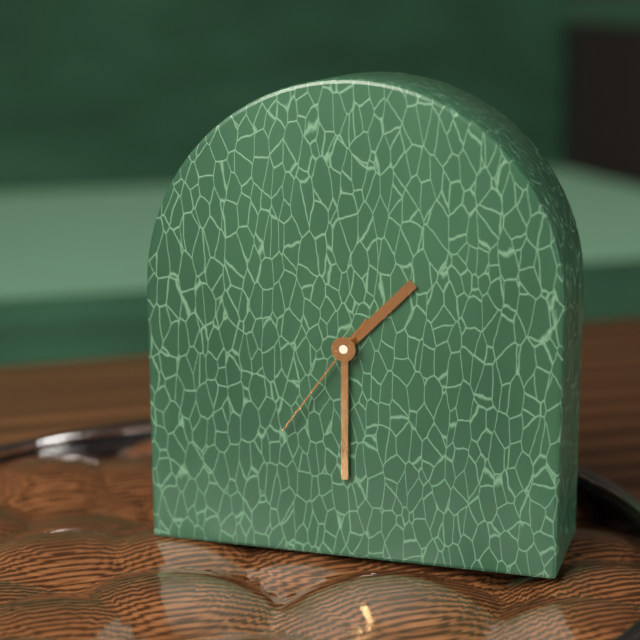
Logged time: 1 h 30 min 36 s
